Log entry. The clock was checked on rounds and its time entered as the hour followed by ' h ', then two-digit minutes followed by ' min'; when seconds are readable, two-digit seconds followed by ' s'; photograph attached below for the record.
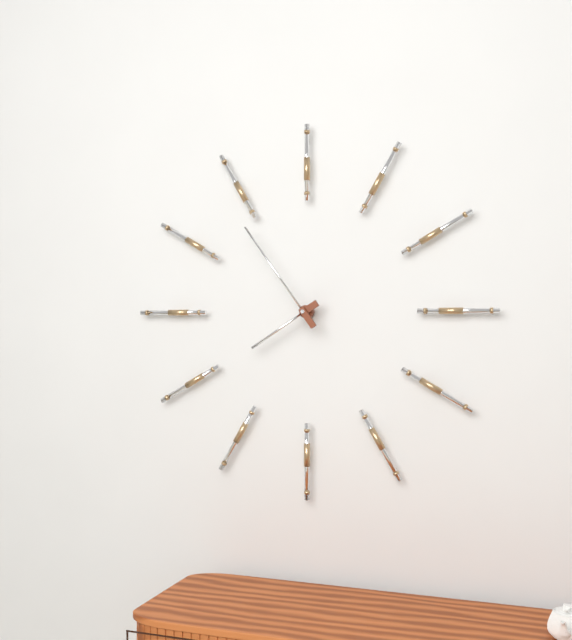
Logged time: 7 h 54 min
